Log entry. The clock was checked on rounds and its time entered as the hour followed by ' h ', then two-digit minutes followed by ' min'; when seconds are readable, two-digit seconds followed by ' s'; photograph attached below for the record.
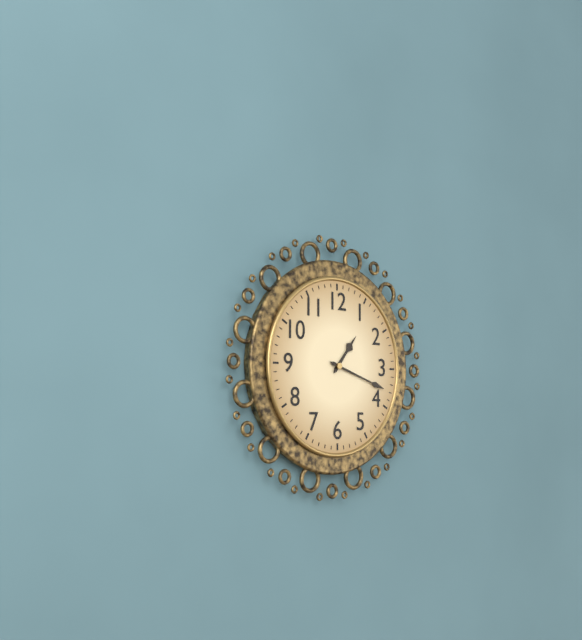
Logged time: 1 h 18 min
